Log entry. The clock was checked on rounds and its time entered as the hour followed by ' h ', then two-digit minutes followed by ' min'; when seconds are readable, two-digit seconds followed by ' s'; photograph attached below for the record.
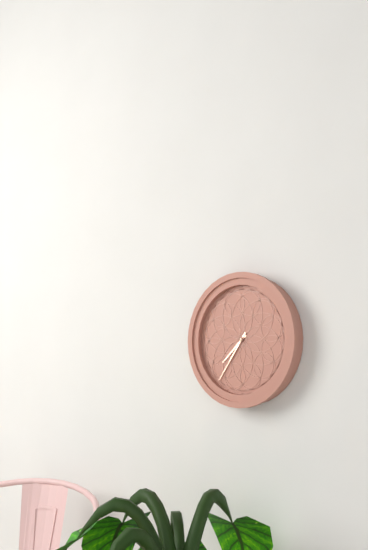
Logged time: 7 h 36 min
